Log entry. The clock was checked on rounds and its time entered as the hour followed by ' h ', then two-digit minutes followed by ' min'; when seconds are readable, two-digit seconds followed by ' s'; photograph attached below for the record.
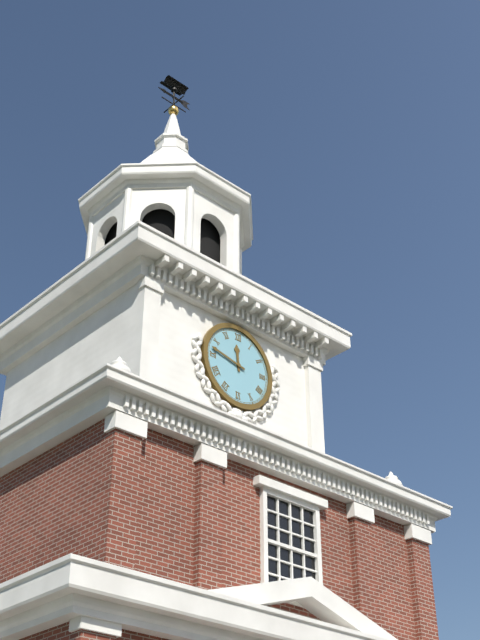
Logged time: 11 h 47 min
